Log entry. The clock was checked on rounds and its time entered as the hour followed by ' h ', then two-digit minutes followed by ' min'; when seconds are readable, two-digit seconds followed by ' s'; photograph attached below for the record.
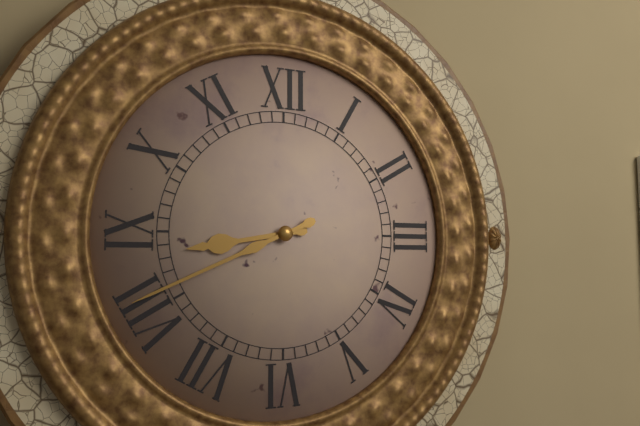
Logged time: 8 h 41 min
